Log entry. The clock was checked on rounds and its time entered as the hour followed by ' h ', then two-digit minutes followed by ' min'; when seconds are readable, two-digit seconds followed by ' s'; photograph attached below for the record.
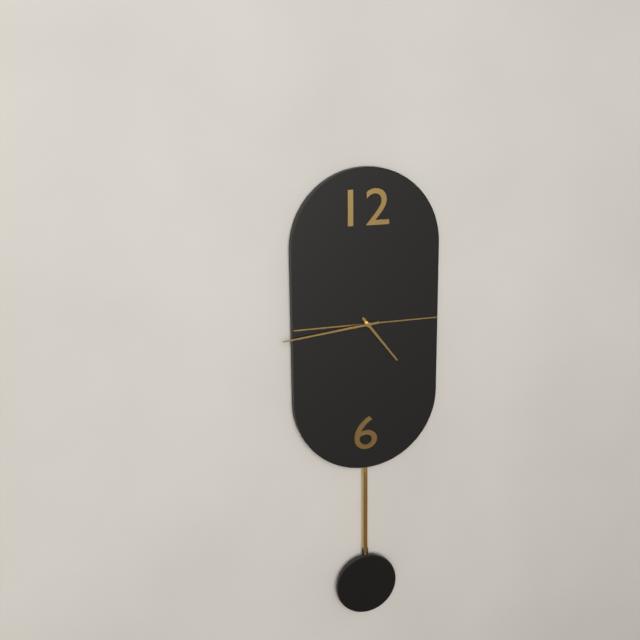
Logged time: 4 h 44 min
